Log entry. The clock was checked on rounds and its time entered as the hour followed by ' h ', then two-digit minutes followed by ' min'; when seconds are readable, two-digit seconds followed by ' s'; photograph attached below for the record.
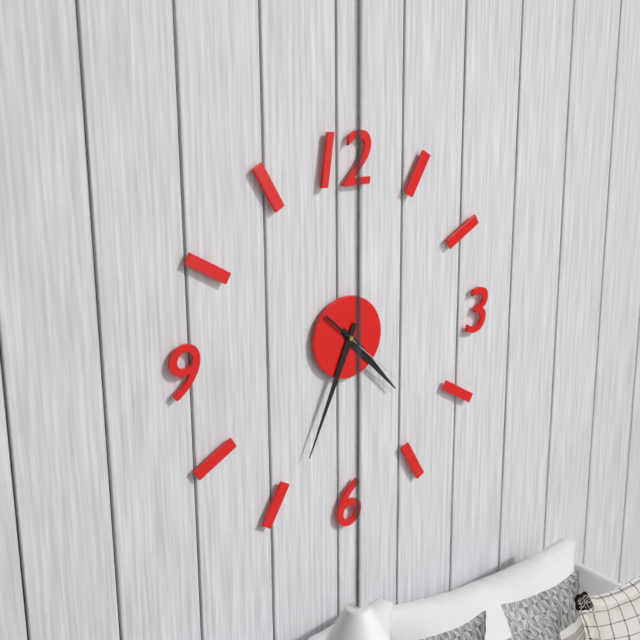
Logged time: 4 h 34 min 22 s
